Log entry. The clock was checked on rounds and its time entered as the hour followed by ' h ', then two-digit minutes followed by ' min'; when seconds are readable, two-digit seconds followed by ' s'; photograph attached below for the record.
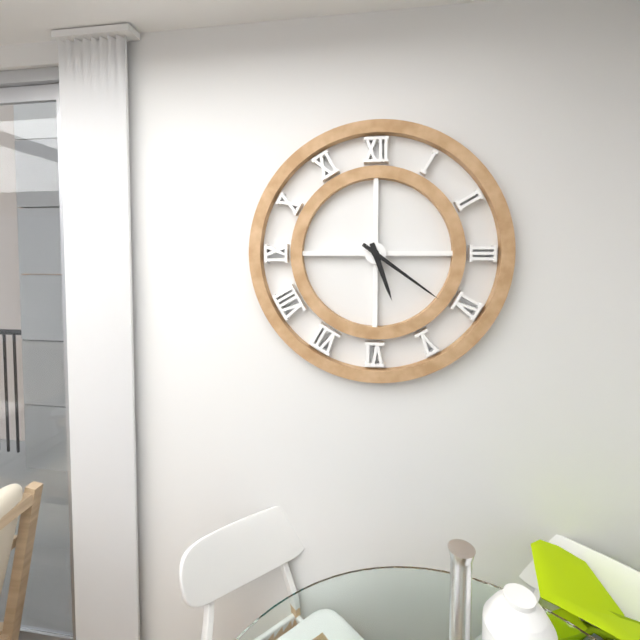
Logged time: 5 h 21 min
